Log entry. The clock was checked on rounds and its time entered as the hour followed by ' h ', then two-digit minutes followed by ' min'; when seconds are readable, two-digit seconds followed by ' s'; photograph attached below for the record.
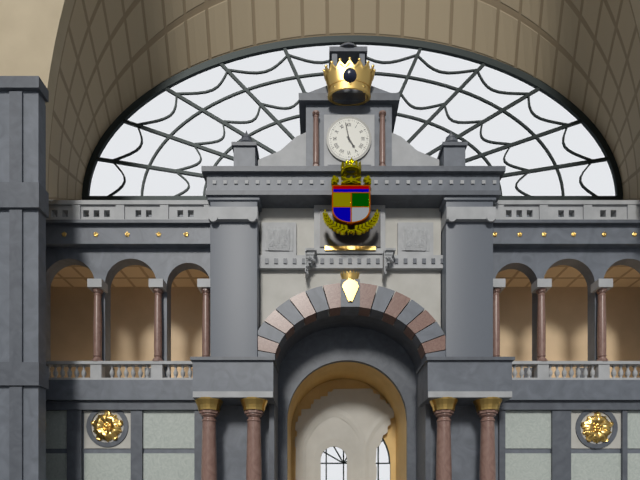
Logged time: 4 h 58 min
